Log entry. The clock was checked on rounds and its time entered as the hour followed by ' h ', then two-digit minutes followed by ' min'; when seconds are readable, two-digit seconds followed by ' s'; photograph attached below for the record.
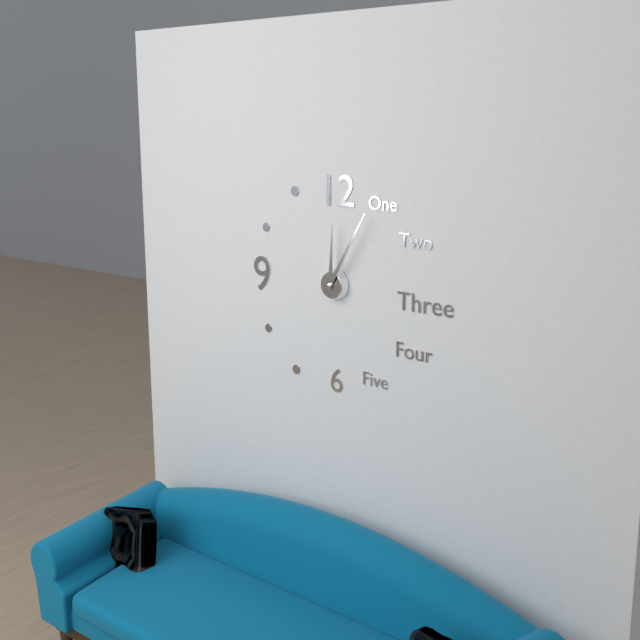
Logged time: 12 h 05 min
